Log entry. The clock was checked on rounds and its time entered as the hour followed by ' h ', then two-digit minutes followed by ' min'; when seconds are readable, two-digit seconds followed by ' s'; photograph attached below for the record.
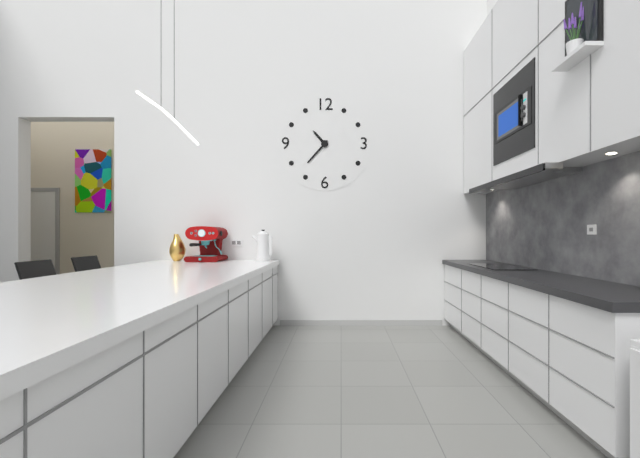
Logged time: 10 h 37 min
